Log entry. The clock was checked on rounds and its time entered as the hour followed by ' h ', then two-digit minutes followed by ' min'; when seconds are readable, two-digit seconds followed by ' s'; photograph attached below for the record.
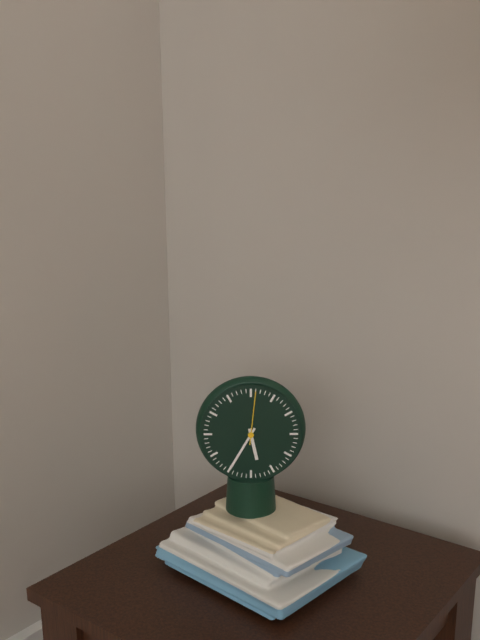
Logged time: 5 h 35 min 01 s
